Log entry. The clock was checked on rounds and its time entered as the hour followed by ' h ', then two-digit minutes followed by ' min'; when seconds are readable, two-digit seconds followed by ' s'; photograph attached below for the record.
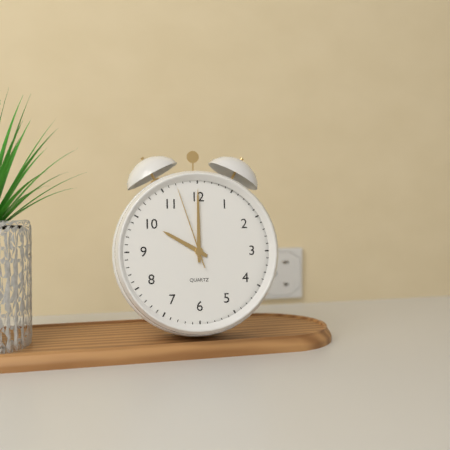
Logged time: 10 h 00 min 57 s
